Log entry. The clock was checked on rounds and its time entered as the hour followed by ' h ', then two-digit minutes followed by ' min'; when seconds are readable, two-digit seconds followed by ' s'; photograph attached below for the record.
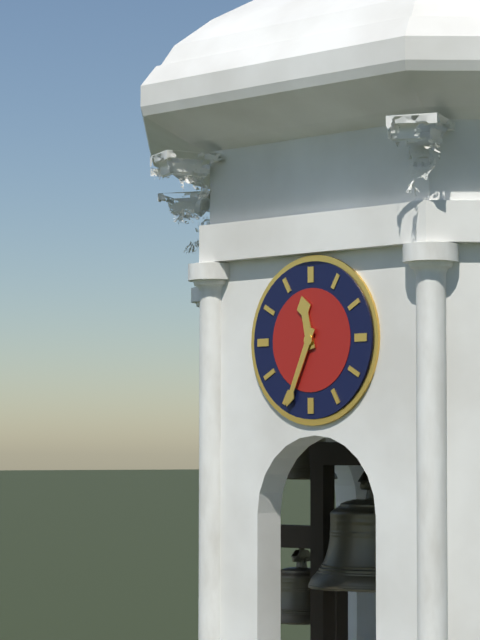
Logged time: 11 h 34 min
